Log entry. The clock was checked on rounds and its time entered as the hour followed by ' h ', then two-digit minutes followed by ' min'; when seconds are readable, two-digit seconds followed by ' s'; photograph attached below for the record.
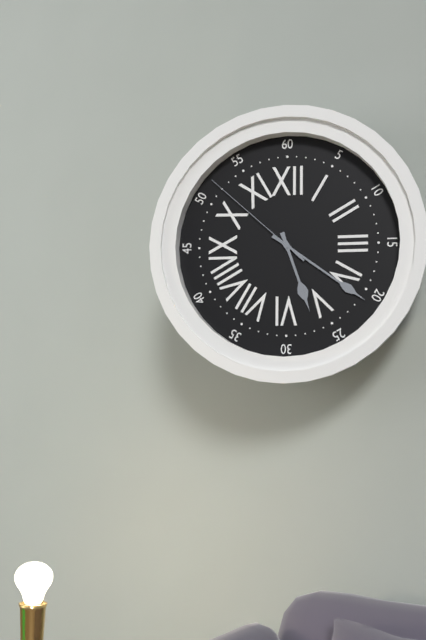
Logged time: 5 h 21 min 52 s
